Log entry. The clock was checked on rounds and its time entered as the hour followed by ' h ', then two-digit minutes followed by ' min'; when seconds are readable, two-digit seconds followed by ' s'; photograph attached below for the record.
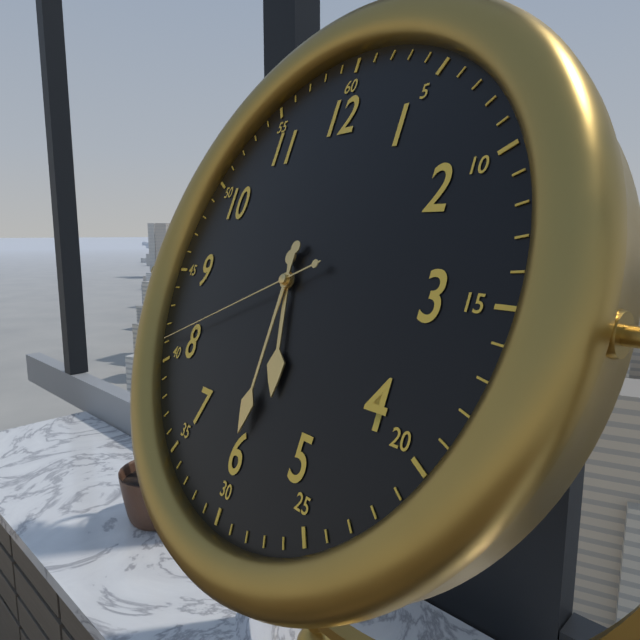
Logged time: 5 h 30 min 41 s
